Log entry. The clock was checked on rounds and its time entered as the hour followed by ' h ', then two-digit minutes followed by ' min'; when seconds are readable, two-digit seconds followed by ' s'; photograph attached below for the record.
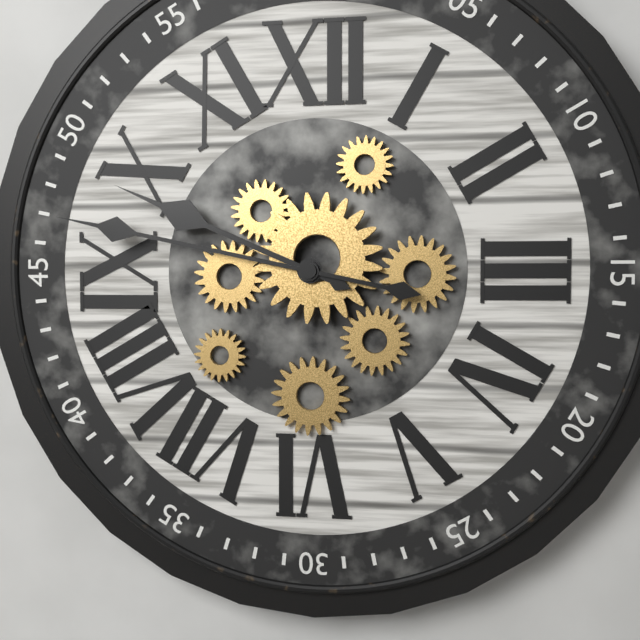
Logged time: 9 h 47 min
